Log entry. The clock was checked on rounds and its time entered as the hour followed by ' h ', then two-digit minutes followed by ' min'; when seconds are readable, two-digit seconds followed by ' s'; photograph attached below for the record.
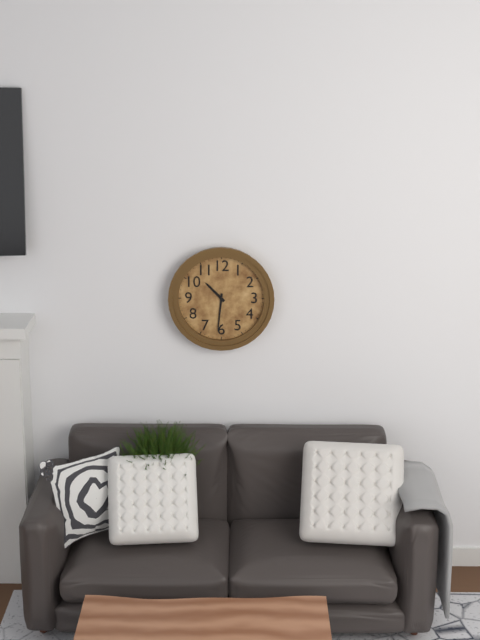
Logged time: 10 h 31 min
